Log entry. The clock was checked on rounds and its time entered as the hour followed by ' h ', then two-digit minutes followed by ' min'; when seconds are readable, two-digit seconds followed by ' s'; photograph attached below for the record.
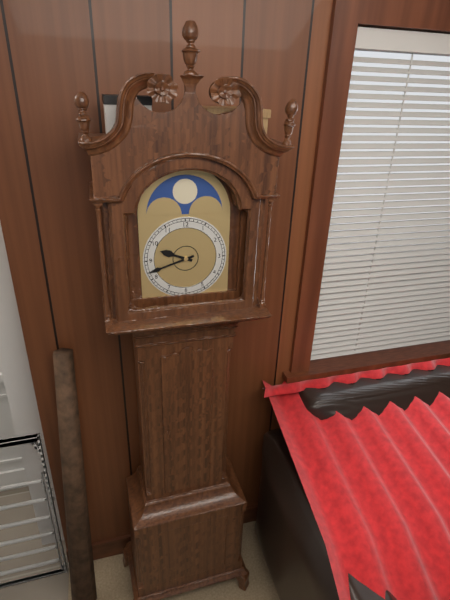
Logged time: 9 h 42 min
